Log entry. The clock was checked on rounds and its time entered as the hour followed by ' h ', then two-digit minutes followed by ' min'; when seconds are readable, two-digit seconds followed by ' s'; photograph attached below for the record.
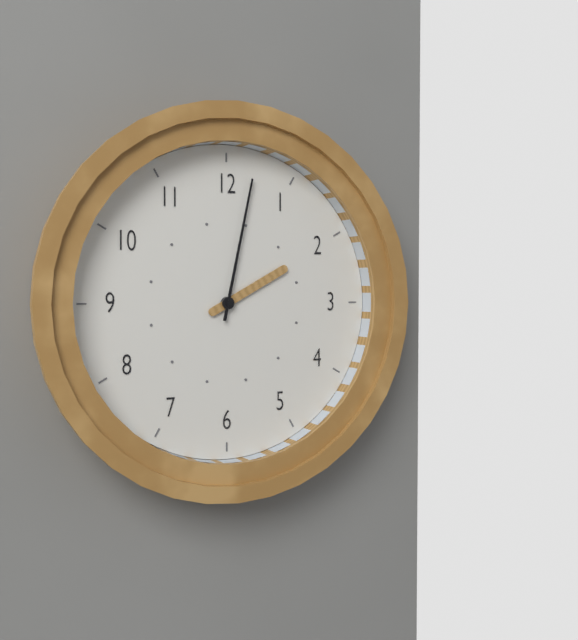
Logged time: 2 h 02 min
